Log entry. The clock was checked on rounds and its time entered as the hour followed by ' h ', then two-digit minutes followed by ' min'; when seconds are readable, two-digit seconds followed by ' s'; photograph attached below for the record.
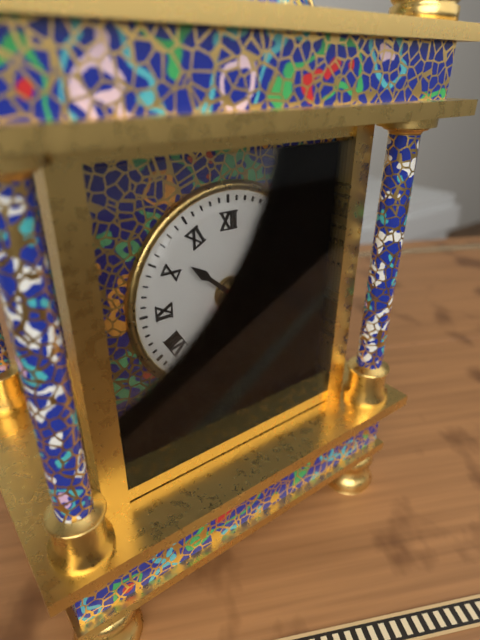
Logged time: 10 h 22 min 08 s
